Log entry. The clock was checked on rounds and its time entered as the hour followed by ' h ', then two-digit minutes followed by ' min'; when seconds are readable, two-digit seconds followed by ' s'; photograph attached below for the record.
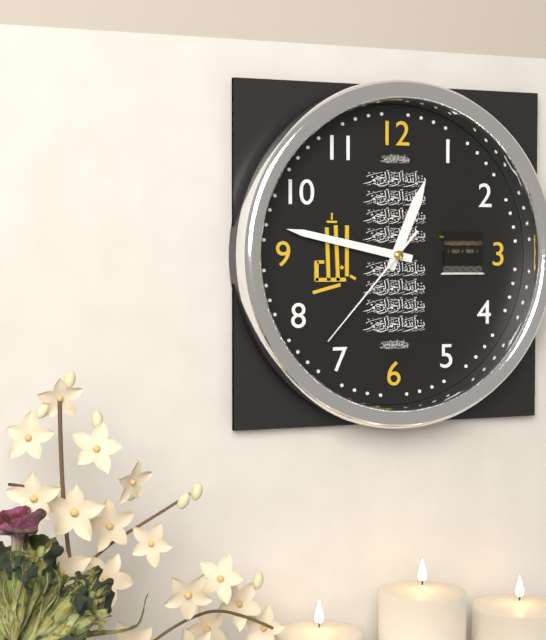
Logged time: 12 h 47 min 37 s
